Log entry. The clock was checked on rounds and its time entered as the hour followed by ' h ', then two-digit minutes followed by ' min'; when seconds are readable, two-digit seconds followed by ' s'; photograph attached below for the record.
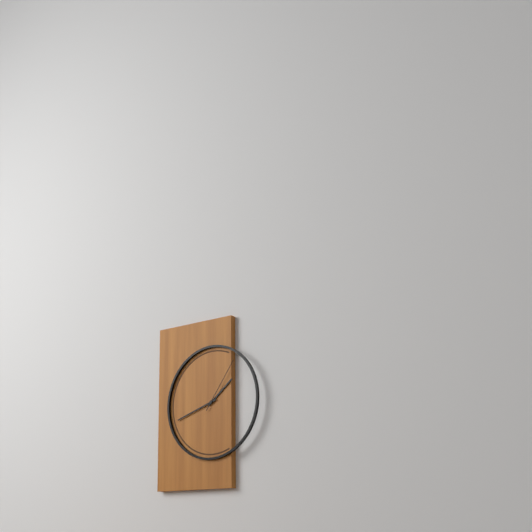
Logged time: 1 h 42 min 06 s
